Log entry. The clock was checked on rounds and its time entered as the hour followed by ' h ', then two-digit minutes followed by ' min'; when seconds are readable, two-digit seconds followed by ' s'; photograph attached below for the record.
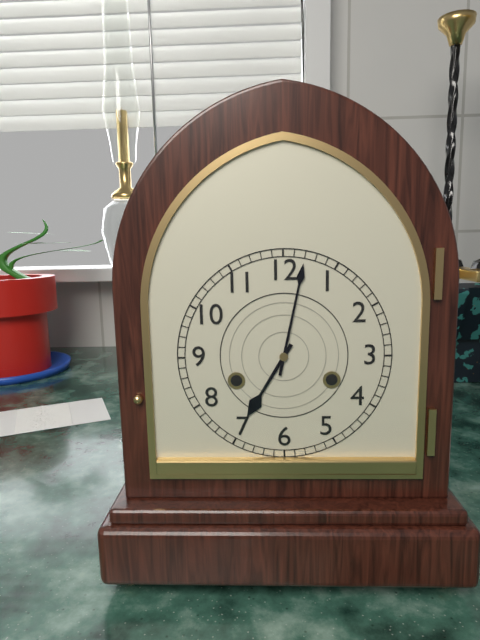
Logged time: 7 h 02 min
